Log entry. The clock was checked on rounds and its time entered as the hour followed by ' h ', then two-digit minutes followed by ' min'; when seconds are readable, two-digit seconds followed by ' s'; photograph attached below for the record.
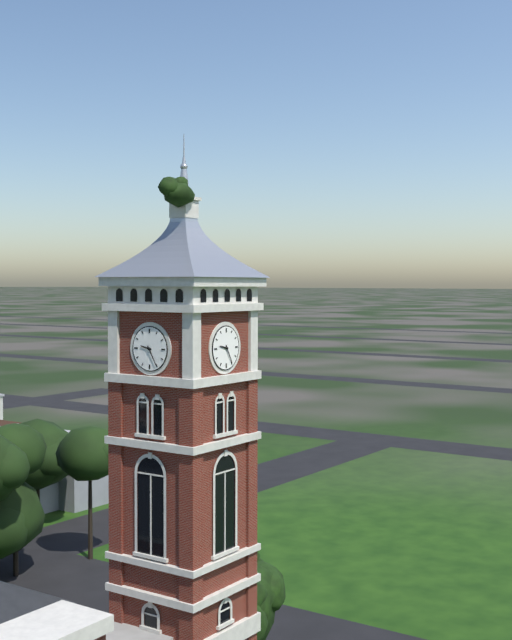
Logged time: 9 h 25 min
